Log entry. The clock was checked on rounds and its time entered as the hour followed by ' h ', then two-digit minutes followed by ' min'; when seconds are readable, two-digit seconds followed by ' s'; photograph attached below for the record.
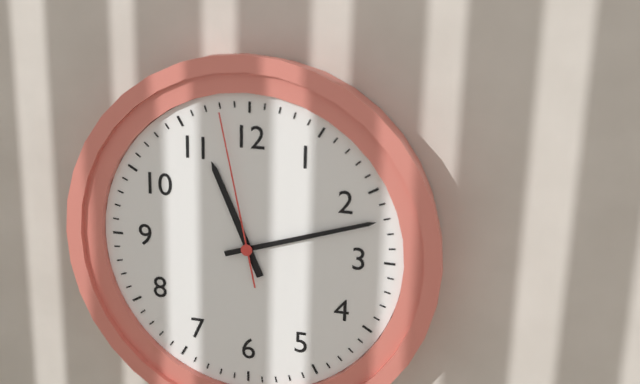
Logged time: 11 h 12 min 58 s
